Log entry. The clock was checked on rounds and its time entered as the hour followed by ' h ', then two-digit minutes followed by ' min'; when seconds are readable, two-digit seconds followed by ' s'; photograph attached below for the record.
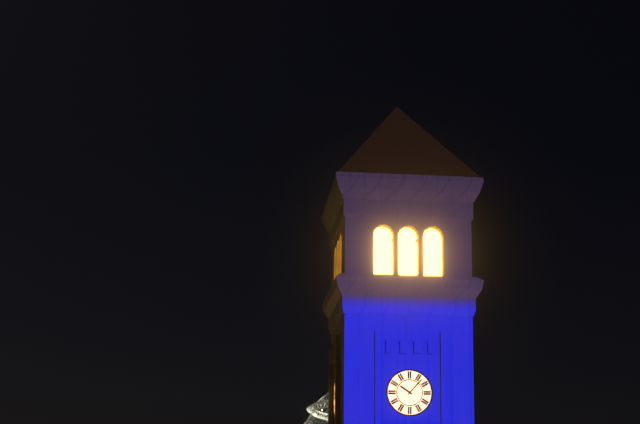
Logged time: 10 h 07 min
